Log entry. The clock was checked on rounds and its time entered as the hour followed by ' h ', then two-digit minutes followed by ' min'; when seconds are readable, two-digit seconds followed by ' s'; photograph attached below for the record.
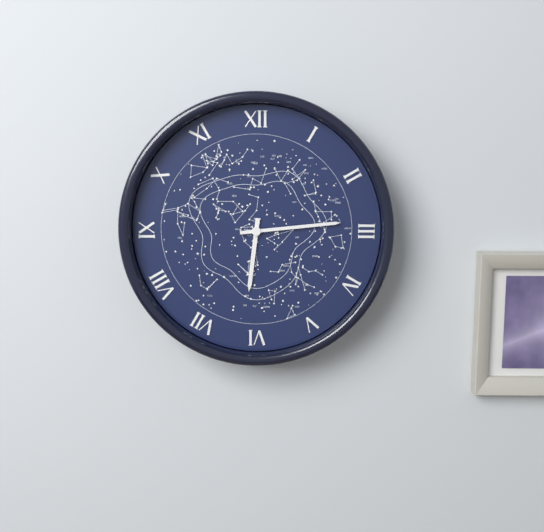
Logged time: 6 h 14 min
